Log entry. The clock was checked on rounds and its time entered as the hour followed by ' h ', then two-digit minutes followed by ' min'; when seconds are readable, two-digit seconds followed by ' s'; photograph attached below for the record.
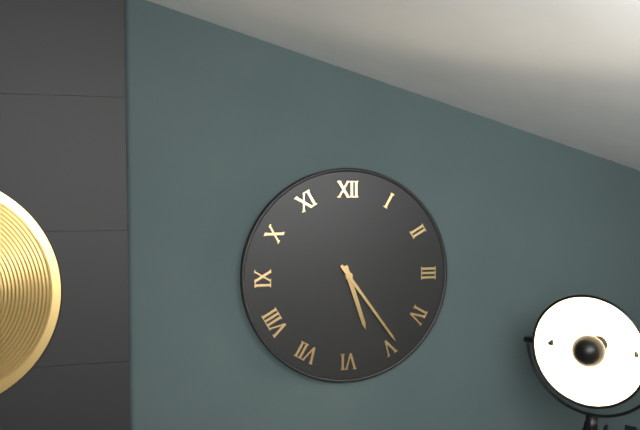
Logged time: 5 h 24 min
